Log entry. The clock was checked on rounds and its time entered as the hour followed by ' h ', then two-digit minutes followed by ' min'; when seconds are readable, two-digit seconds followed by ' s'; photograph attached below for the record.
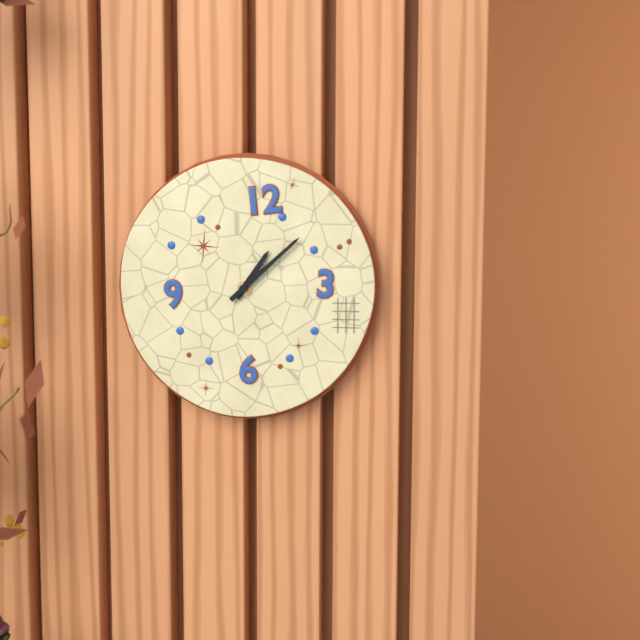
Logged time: 1 h 08 min
